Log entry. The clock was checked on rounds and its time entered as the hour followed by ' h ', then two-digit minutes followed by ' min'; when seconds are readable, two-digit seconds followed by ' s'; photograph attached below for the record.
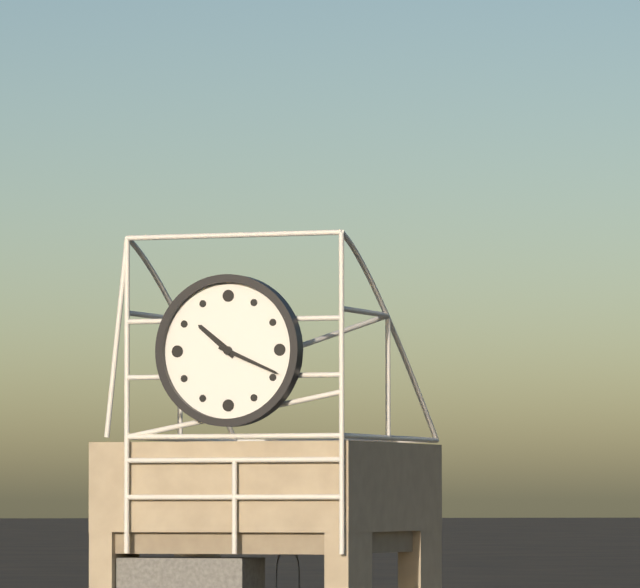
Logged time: 10 h 19 min
